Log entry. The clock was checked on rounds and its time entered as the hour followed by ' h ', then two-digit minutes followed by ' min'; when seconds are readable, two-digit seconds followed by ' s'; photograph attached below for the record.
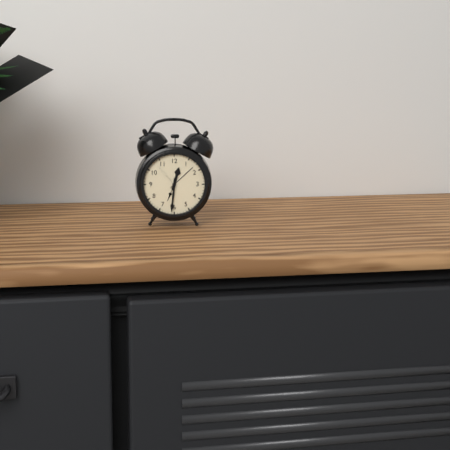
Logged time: 12 h 31 min
